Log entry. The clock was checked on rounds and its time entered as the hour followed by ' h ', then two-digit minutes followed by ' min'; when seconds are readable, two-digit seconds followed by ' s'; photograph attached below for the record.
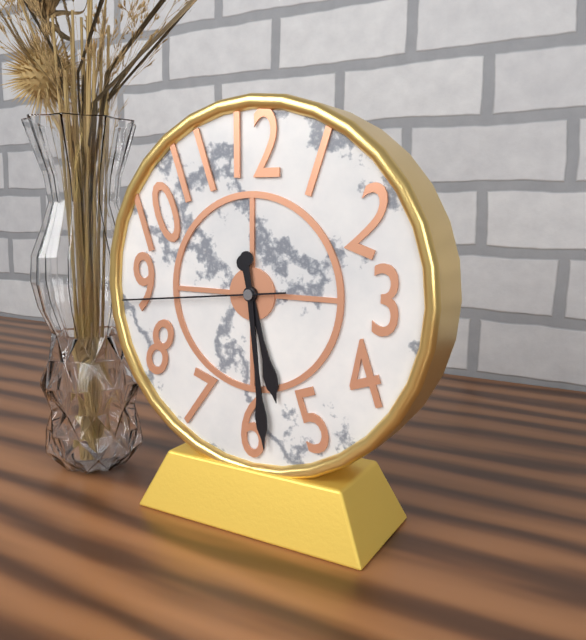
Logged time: 5 h 29 min 44 s
